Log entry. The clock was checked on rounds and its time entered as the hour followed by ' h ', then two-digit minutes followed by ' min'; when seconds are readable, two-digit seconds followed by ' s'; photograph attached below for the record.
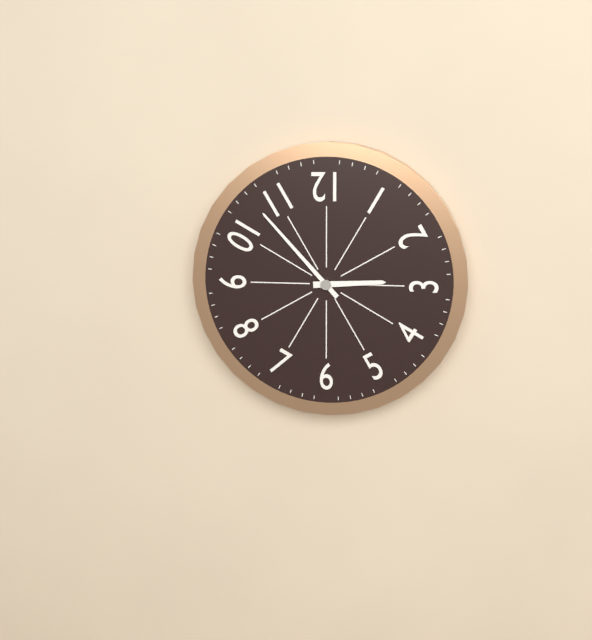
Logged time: 2 h 53 min
